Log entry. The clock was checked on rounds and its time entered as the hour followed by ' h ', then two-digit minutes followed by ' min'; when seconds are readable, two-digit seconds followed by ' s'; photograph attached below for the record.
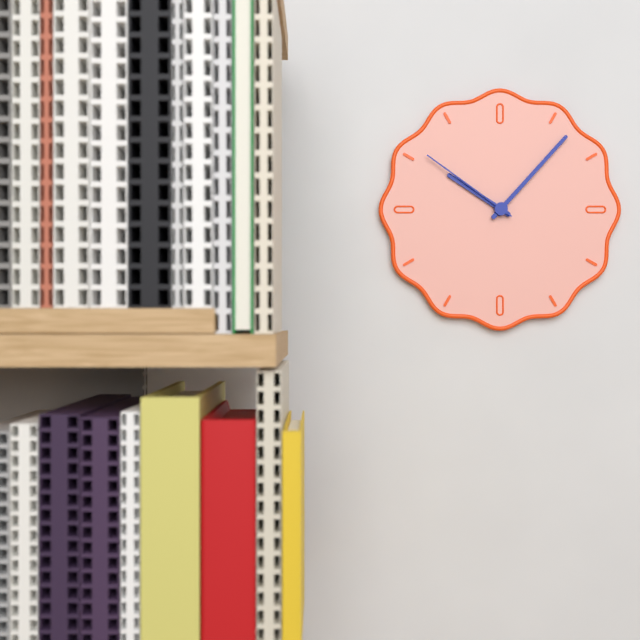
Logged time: 10 h 07 min 51 s
